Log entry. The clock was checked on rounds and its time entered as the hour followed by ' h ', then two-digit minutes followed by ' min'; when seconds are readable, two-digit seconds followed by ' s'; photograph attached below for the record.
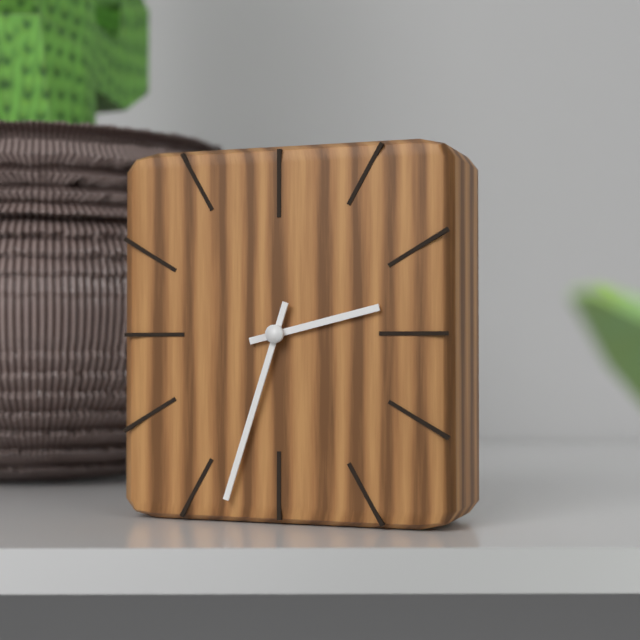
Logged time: 2 h 33 min
